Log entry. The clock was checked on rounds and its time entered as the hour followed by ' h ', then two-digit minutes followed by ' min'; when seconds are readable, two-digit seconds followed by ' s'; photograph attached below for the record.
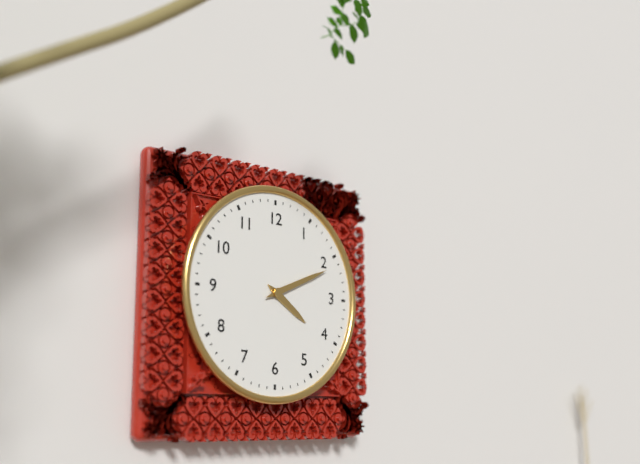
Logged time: 4 h 11 min
